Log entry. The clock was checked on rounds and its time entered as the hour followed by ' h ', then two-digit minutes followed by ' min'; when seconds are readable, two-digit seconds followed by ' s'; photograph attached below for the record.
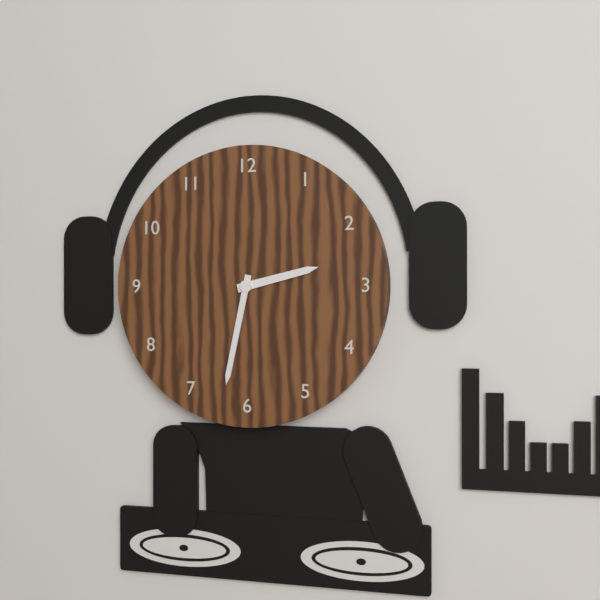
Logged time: 2 h 32 min
